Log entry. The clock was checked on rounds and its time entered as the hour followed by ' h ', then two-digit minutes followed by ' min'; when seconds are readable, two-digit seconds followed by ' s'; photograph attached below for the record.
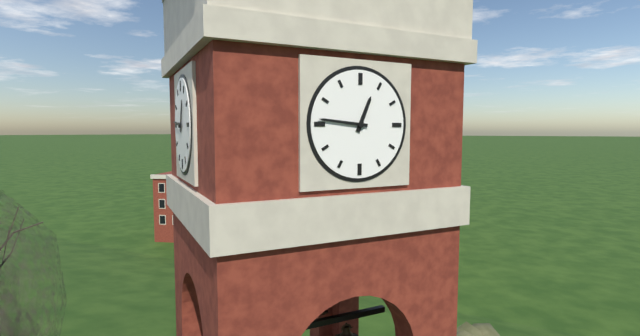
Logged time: 12 h 46 min
